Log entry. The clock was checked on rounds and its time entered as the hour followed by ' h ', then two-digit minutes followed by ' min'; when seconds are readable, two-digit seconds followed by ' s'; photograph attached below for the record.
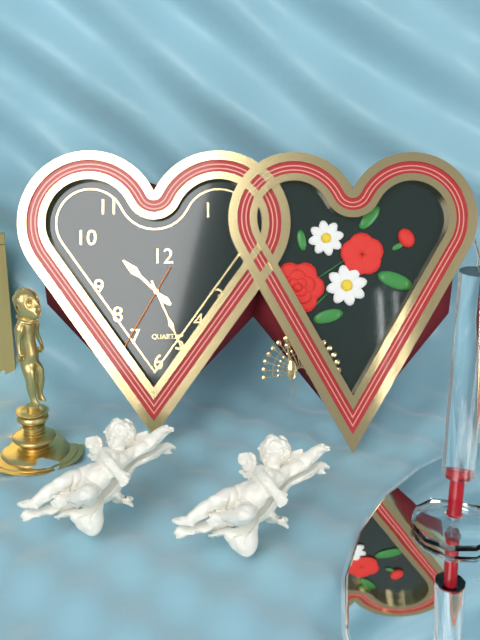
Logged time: 10 h 26 min 35 s
